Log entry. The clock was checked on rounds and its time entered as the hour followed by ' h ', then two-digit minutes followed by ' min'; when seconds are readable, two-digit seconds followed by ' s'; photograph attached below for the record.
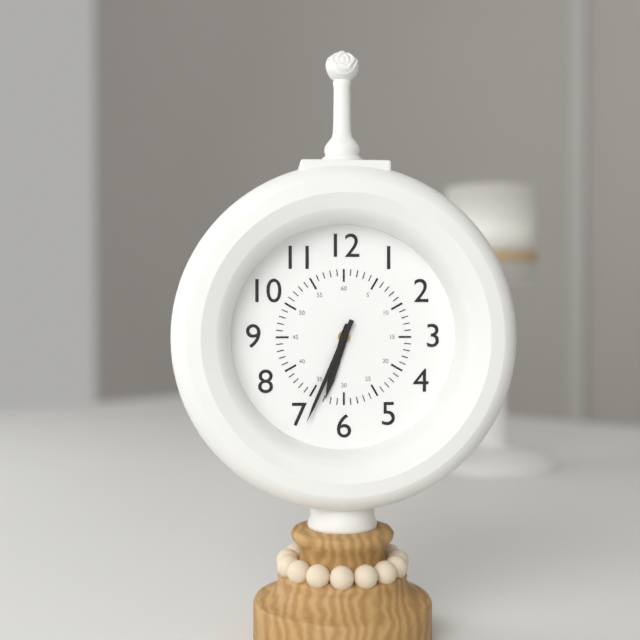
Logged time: 6 h 34 min
